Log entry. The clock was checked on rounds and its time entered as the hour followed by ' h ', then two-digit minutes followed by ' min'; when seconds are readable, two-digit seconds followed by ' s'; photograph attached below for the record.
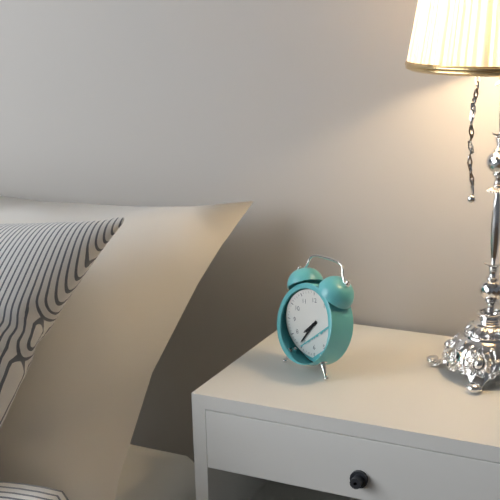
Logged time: 7 h 36 min
